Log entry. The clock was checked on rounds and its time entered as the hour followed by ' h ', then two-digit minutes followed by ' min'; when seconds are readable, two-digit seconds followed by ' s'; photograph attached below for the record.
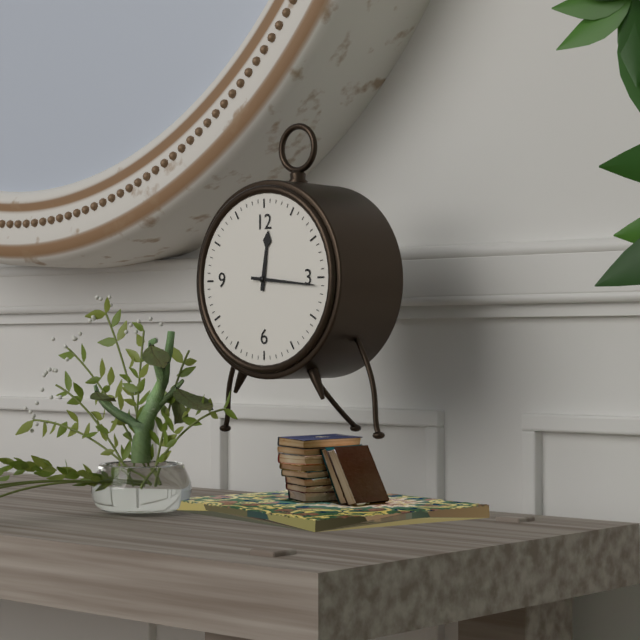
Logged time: 12 h 16 min
